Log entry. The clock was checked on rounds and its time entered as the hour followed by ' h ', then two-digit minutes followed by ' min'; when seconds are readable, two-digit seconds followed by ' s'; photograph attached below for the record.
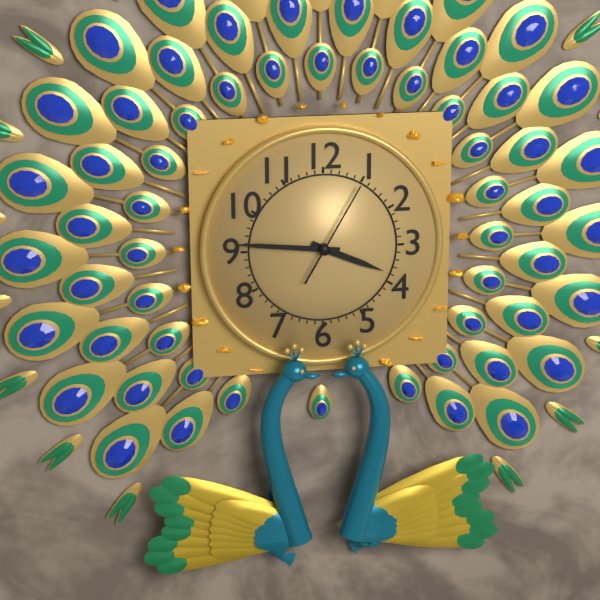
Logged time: 3 h 46 min 05 s
